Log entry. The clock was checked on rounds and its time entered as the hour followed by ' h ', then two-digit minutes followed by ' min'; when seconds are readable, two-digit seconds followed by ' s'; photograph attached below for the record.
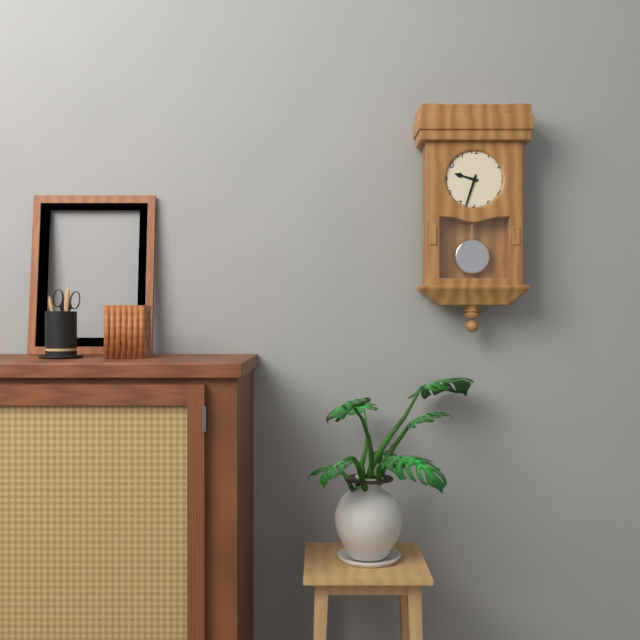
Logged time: 9 h 33 min
